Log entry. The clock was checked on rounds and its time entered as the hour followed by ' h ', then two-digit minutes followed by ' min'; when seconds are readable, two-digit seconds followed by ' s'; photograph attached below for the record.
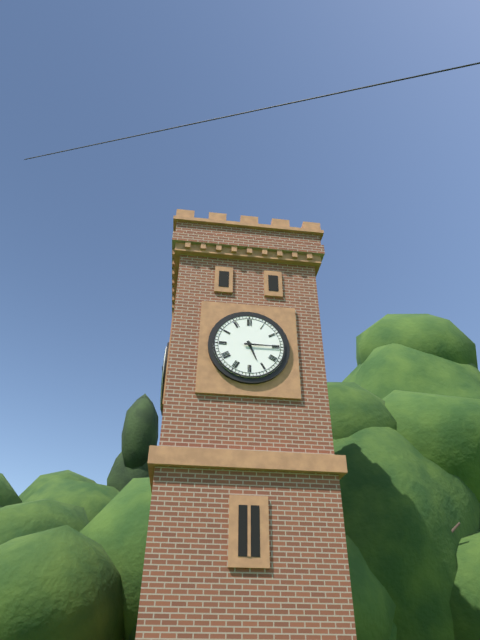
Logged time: 5 h 15 min
